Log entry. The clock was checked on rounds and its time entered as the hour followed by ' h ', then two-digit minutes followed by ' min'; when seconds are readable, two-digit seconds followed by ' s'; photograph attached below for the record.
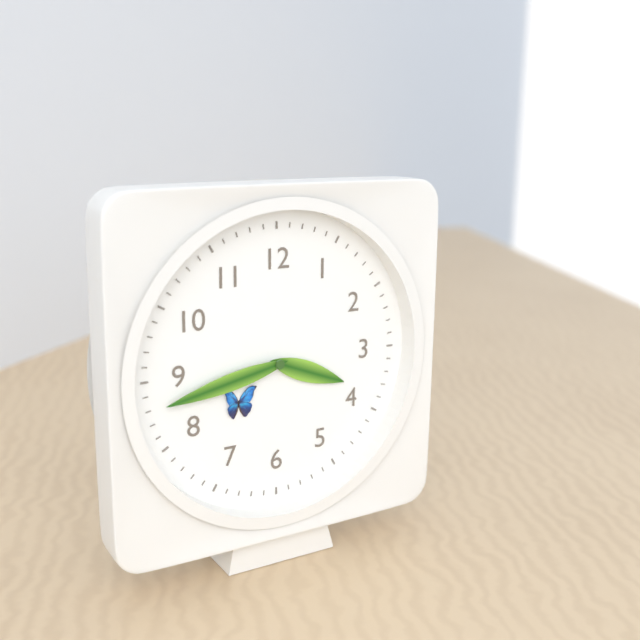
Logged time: 3 h 43 min
